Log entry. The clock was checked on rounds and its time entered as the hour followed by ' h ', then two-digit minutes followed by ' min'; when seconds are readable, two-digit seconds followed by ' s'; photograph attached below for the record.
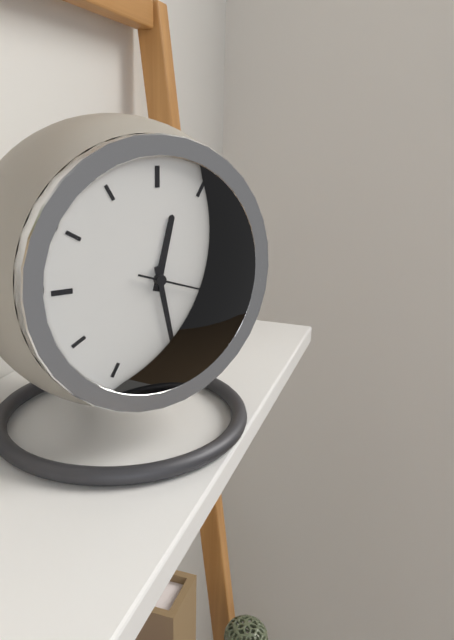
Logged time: 12 h 28 min 18 s
